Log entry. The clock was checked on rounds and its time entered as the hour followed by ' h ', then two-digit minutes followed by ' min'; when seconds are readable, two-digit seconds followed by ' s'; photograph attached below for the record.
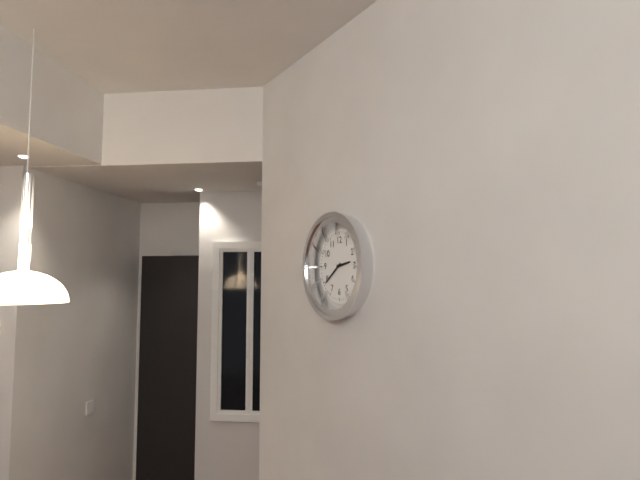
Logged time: 2 h 39 min
